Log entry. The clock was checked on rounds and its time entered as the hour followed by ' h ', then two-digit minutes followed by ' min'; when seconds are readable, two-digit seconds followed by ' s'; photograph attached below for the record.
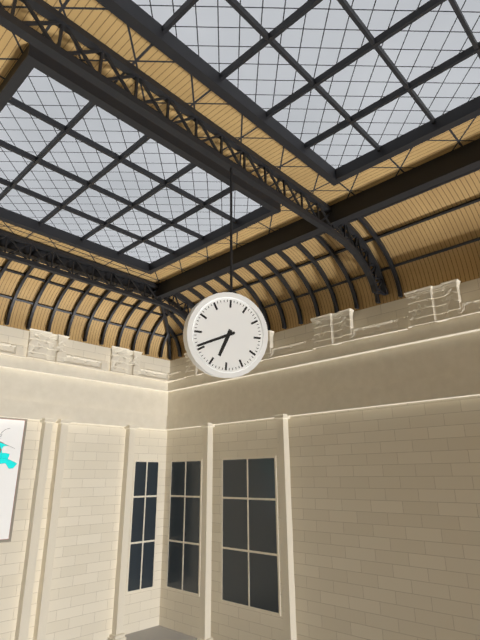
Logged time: 6 h 41 min
